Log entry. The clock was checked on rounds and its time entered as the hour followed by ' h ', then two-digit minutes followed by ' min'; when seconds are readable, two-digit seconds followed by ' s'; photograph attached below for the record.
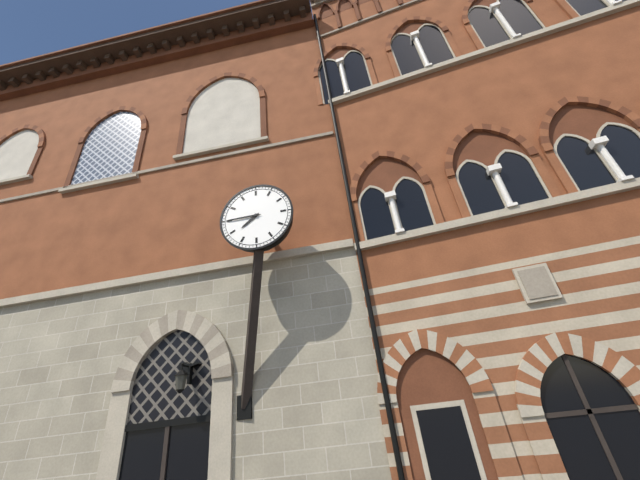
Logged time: 7 h 45 min
